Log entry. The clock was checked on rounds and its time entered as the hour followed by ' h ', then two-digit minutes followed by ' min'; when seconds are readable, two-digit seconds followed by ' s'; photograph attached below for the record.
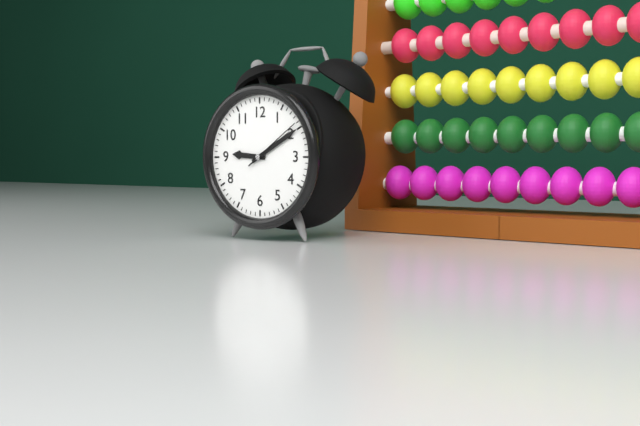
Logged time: 9 h 10 min 09 s
